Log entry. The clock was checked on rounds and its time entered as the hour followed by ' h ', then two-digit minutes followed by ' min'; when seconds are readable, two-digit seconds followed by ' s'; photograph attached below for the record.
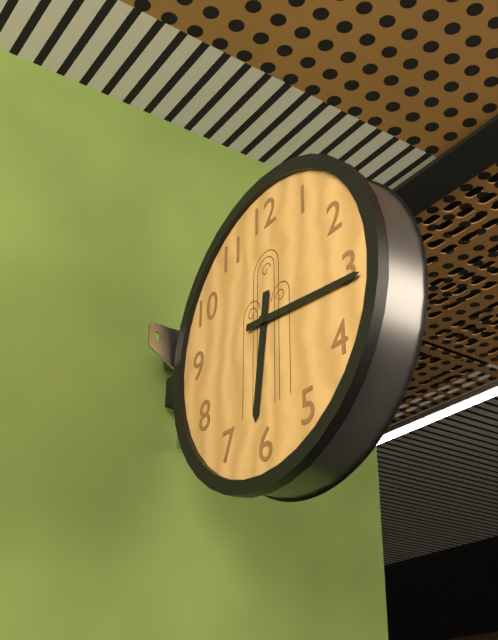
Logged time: 6 h 16 min
